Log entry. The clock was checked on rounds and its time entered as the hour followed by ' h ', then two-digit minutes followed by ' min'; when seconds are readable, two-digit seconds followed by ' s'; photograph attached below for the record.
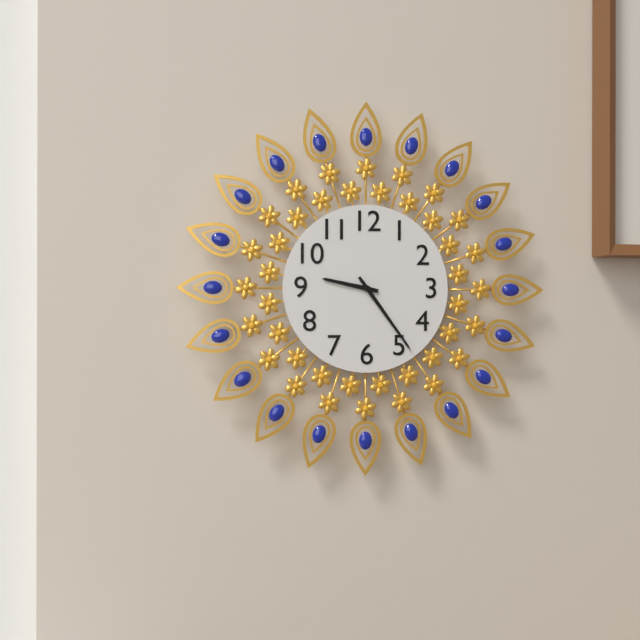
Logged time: 9 h 24 min
